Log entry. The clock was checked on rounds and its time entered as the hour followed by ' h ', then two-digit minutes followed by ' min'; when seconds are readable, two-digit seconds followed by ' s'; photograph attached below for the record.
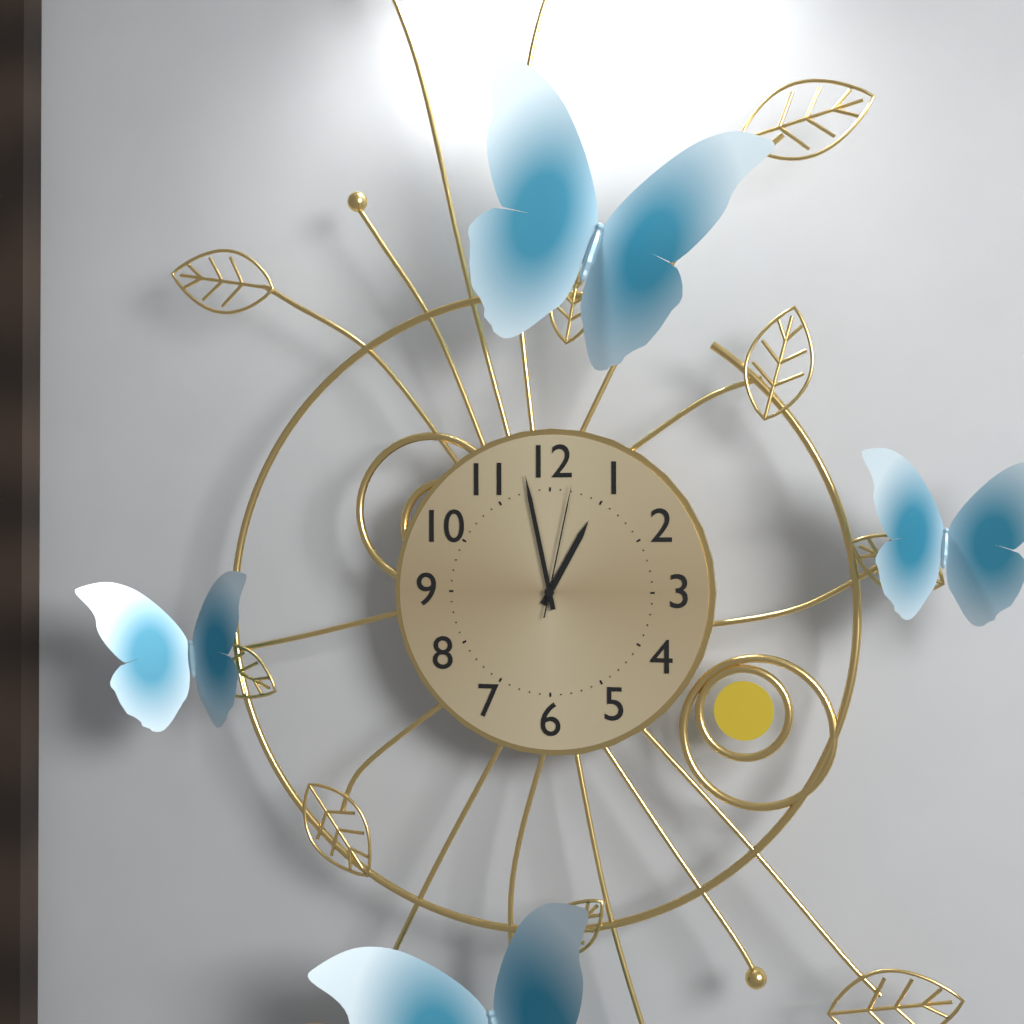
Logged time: 12 h 58 min 02 s
